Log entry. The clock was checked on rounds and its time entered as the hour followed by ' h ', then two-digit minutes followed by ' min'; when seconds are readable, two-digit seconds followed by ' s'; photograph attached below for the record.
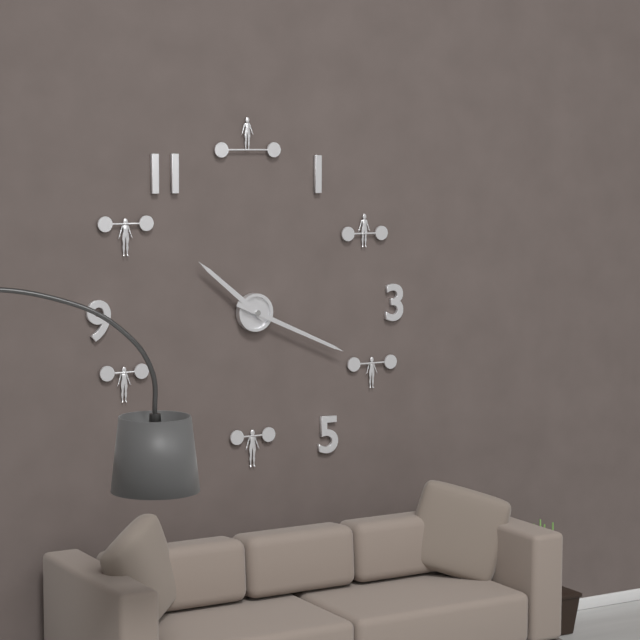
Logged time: 10 h 19 min
